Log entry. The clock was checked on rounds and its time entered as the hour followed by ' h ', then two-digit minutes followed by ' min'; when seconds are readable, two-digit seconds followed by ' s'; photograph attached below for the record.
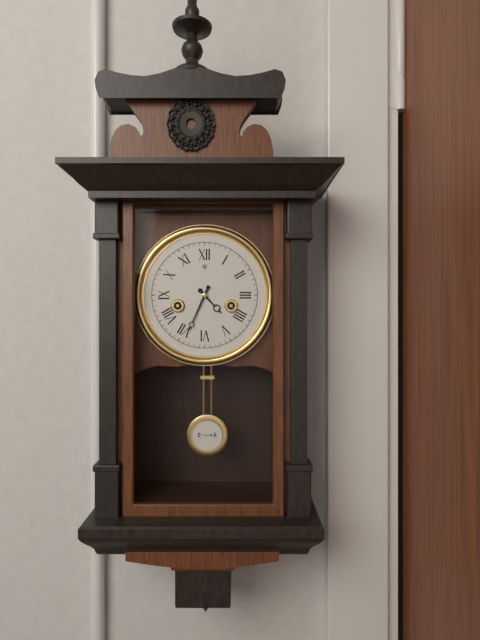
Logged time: 4 h 34 min
